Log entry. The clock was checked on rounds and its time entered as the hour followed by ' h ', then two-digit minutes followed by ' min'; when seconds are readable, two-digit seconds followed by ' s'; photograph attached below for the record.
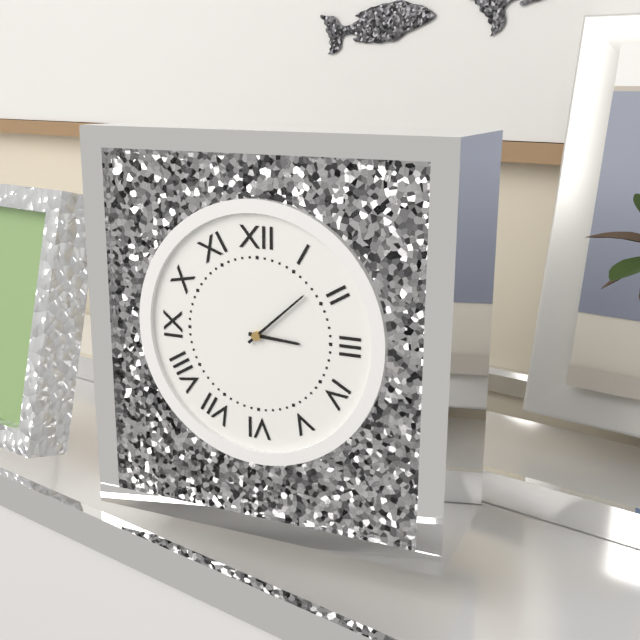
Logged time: 3 h 08 min
